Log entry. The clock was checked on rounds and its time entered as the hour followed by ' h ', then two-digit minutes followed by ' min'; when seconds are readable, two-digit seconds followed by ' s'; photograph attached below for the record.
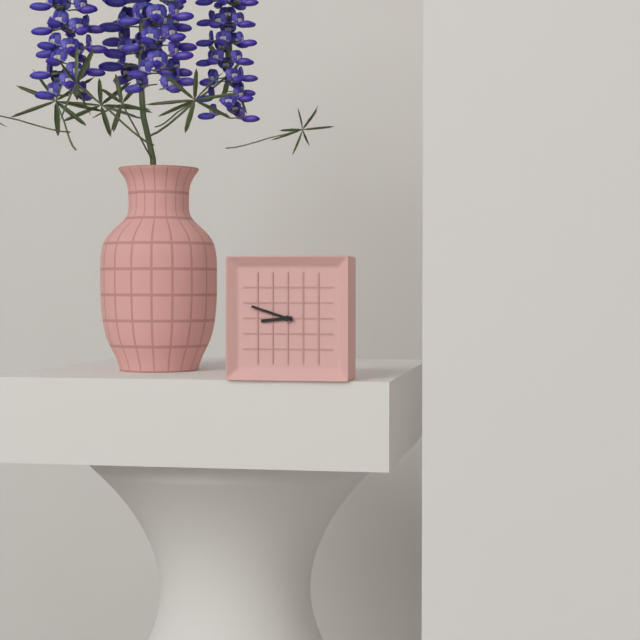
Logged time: 8 h 48 min
